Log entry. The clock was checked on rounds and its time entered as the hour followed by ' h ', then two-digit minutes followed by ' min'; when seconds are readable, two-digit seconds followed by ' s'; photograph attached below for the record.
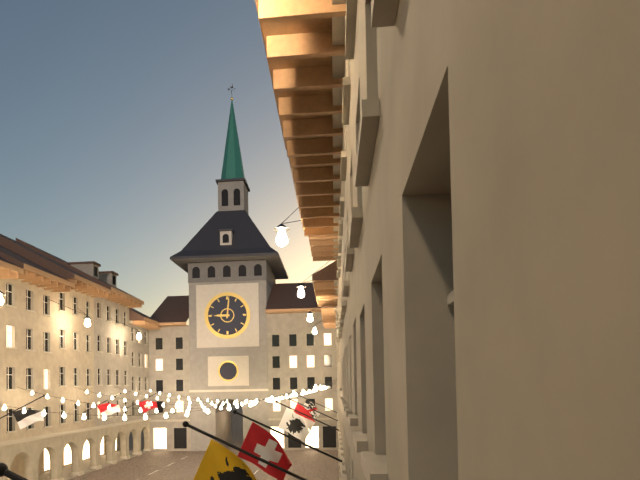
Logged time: 9 h 01 min
